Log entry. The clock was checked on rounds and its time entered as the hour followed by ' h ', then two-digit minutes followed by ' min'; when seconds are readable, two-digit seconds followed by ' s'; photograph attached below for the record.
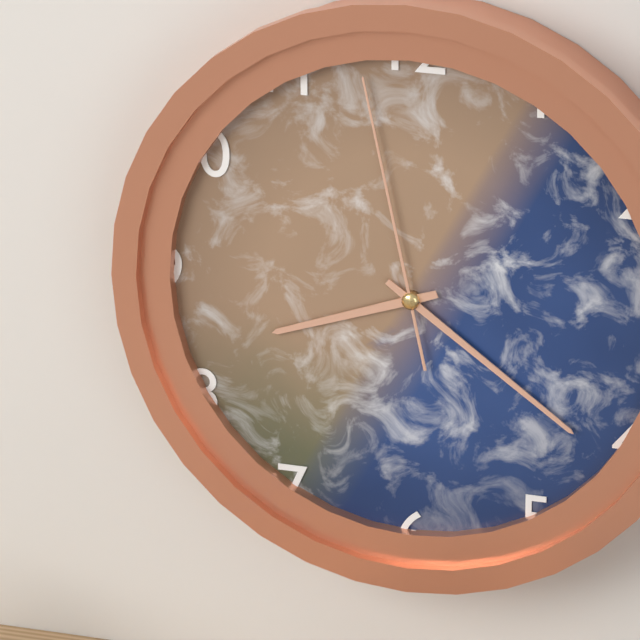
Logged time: 8 h 21 min 58 s
